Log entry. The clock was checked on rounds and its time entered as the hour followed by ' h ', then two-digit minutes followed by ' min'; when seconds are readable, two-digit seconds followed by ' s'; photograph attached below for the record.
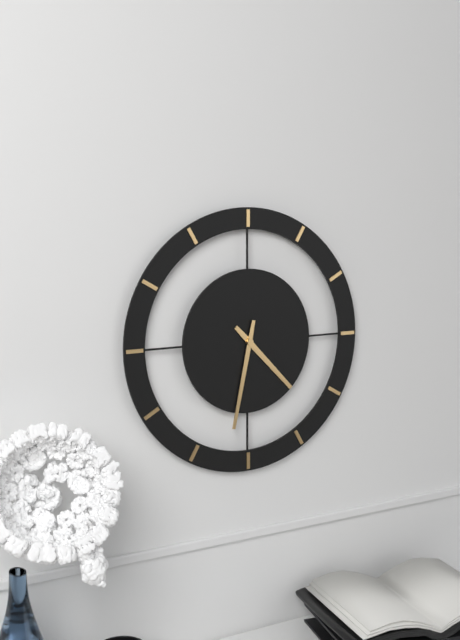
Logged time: 4 h 32 min
